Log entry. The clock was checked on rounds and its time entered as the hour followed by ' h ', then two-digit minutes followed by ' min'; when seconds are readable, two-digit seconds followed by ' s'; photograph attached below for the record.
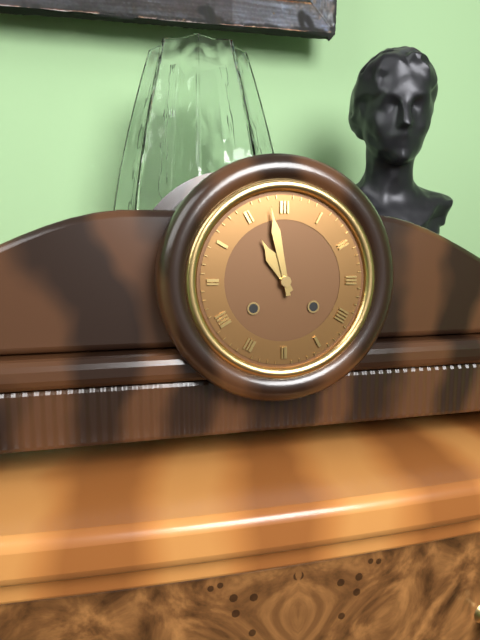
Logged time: 10 h 58 min
